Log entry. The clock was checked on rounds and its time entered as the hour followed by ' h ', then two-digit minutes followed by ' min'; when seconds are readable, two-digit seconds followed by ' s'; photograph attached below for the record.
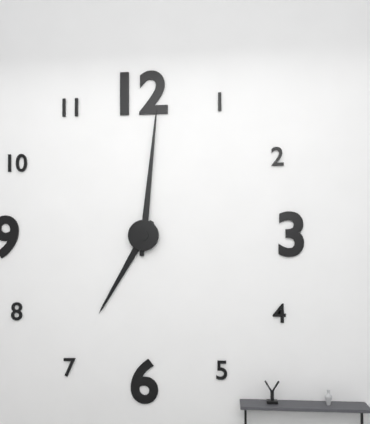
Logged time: 7 h 01 min
